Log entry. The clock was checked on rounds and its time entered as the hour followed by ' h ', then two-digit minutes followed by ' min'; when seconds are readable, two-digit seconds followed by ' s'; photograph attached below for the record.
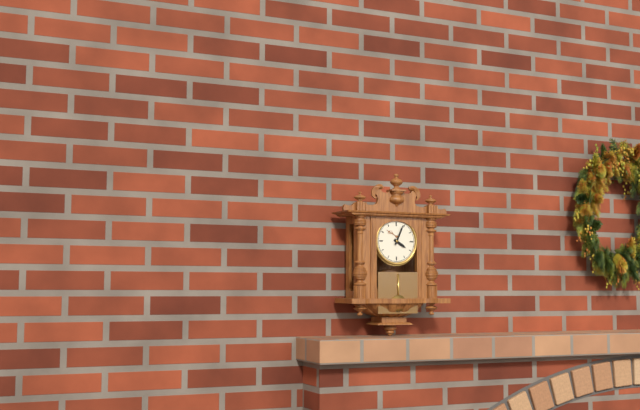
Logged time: 4 h 04 min
